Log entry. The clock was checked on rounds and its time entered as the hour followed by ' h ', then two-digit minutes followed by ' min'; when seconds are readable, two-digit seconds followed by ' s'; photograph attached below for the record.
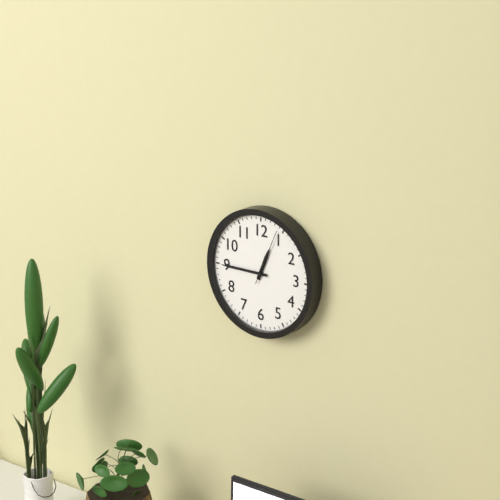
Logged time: 12 h 45 min 04 s
